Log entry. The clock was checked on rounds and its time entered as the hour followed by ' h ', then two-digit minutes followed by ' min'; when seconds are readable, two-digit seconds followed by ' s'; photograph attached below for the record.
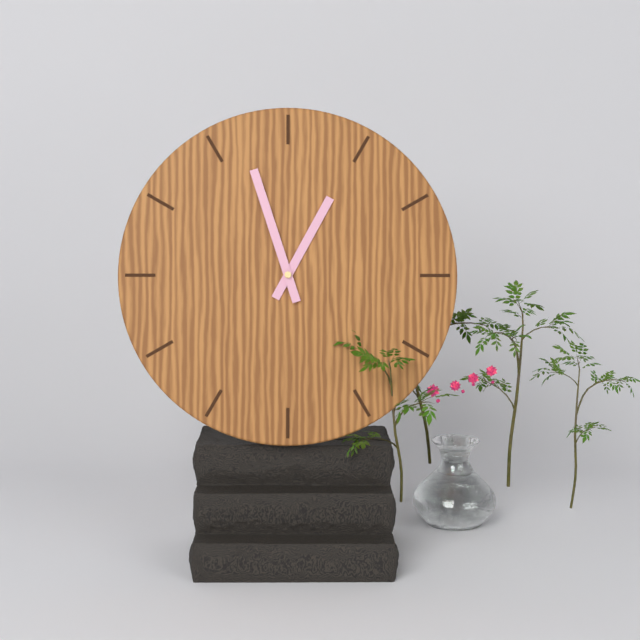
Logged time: 12 h 57 min
